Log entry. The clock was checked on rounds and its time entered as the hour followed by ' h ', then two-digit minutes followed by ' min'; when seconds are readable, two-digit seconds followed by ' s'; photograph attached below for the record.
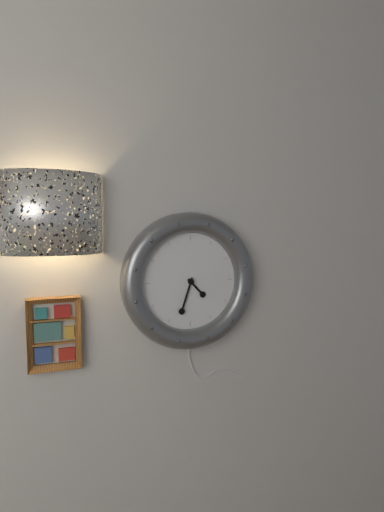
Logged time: 4 h 33 min
